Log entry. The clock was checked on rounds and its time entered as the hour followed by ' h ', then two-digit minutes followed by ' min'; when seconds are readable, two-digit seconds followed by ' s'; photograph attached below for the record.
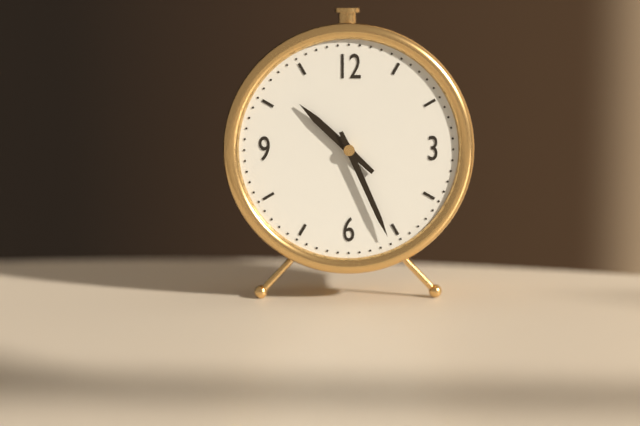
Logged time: 10 h 26 min
